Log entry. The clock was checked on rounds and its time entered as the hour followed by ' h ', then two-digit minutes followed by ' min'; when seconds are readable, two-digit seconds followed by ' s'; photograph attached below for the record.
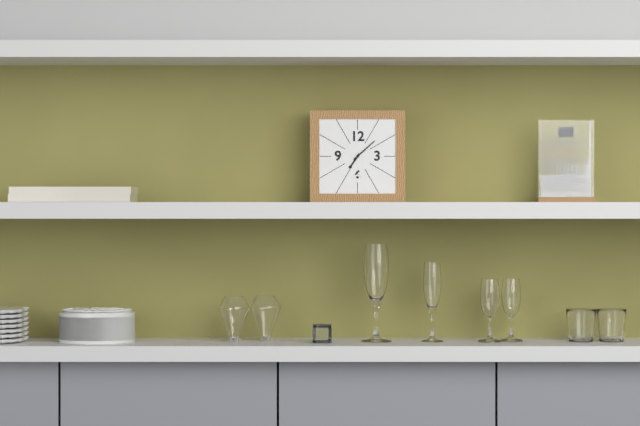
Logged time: 7 h 08 min
